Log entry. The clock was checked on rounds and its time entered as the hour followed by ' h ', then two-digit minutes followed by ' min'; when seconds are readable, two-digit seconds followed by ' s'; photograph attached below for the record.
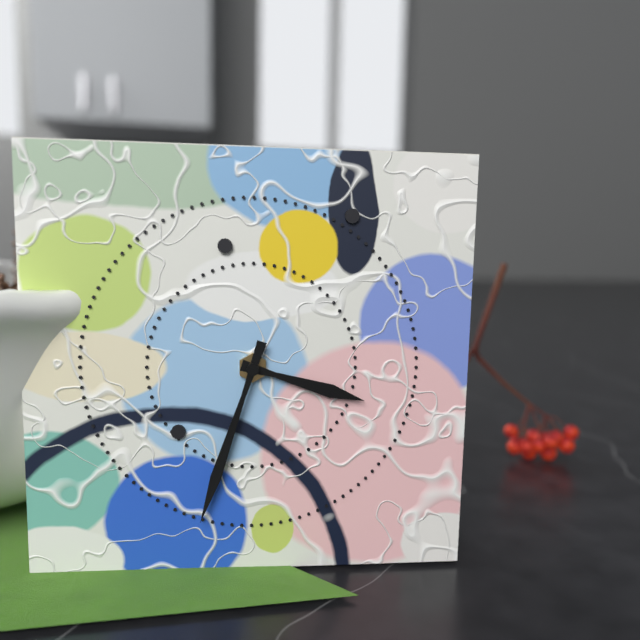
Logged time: 3 h 33 min
